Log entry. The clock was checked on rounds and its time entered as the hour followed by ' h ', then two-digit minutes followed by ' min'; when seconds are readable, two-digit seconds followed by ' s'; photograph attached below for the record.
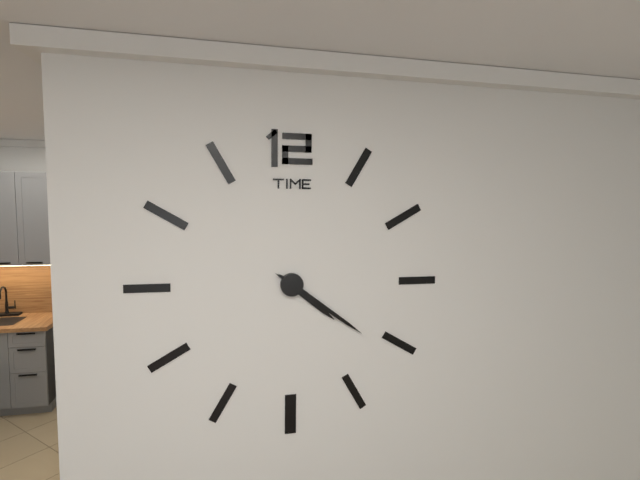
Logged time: 4 h 21 min
